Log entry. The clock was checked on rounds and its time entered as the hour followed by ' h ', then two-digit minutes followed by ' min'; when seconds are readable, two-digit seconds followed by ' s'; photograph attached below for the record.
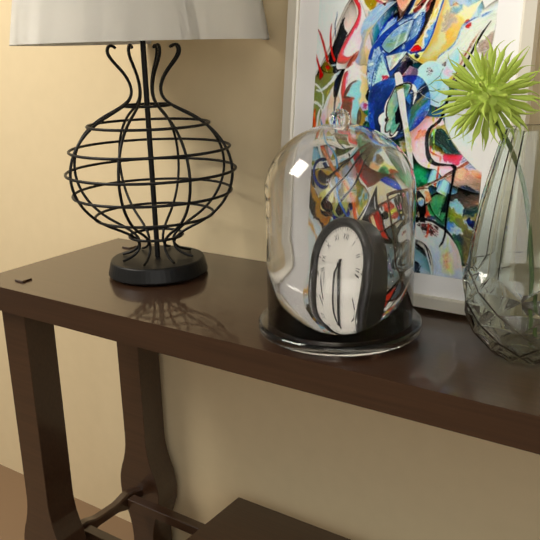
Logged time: 5 h 34 min
